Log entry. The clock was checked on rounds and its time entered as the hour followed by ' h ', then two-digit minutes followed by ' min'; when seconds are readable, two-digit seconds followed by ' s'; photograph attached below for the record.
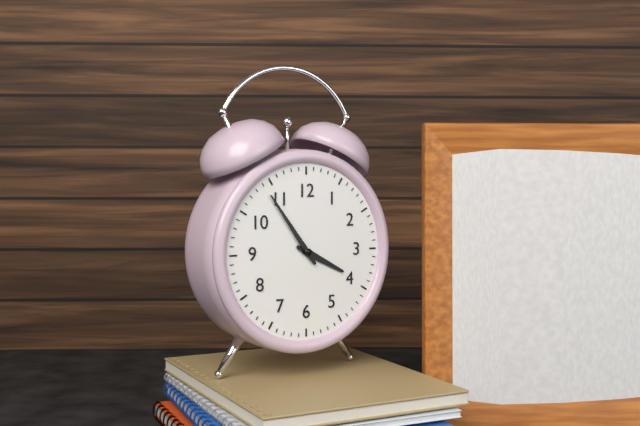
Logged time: 3 h 54 min
